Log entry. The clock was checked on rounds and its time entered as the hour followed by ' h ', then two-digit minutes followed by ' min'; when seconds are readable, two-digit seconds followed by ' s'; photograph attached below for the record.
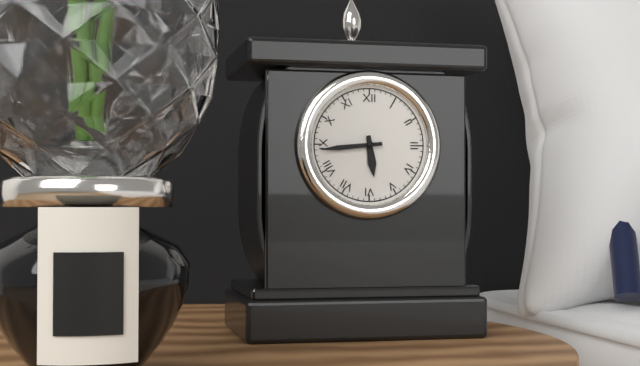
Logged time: 5 h 44 min
